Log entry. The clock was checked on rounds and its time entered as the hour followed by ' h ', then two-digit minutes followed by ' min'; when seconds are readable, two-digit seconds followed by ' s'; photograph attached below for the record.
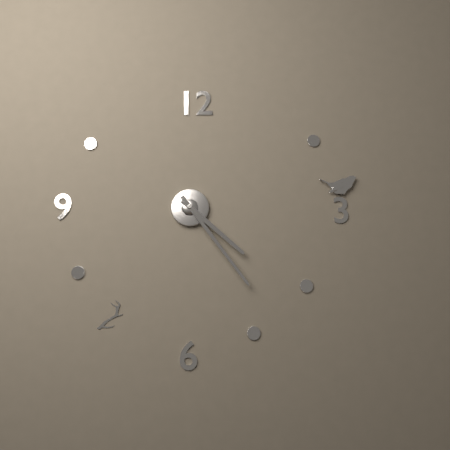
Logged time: 4 h 24 min
